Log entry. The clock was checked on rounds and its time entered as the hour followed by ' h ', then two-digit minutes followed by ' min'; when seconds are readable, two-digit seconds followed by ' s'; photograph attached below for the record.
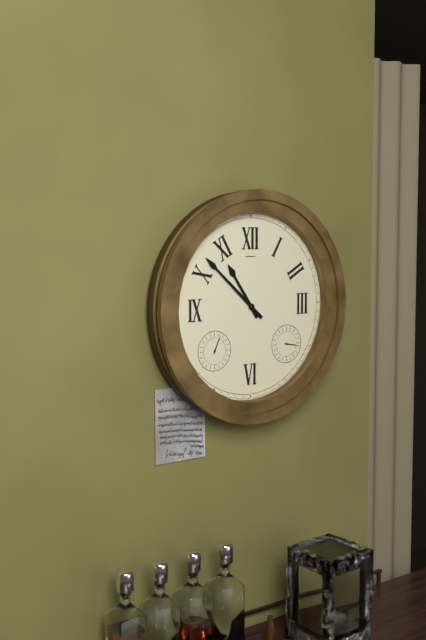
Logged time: 10 h 52 min
